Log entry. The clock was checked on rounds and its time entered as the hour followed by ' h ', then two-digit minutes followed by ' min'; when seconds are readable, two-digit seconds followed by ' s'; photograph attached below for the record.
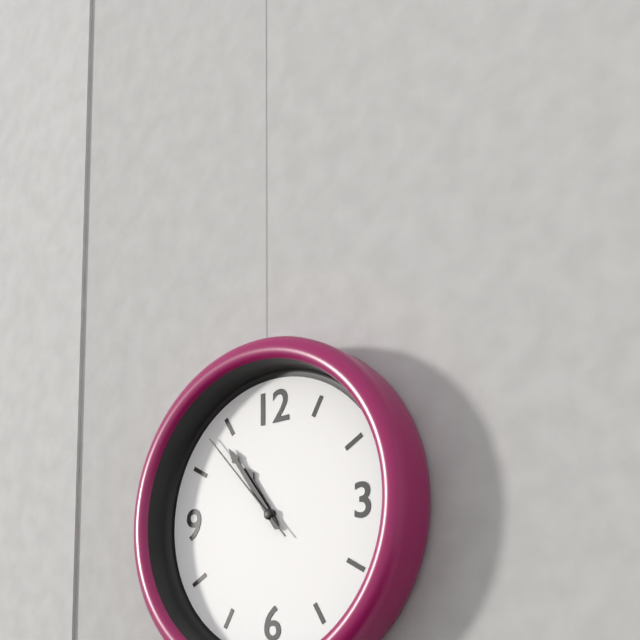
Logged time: 10 h 54 min 53 s
